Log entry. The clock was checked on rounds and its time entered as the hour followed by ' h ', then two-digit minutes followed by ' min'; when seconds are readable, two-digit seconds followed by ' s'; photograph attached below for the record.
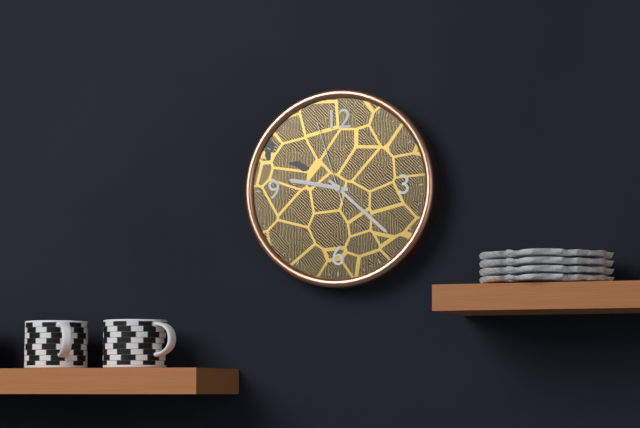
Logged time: 9 h 22 min 57 s
